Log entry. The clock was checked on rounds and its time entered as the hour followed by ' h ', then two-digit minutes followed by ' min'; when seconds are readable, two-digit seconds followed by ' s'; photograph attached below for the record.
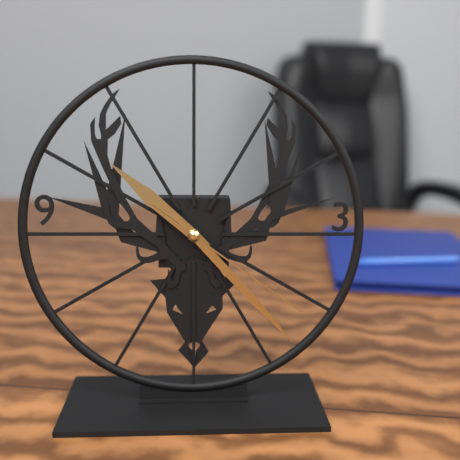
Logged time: 10 h 23 min 21 s
